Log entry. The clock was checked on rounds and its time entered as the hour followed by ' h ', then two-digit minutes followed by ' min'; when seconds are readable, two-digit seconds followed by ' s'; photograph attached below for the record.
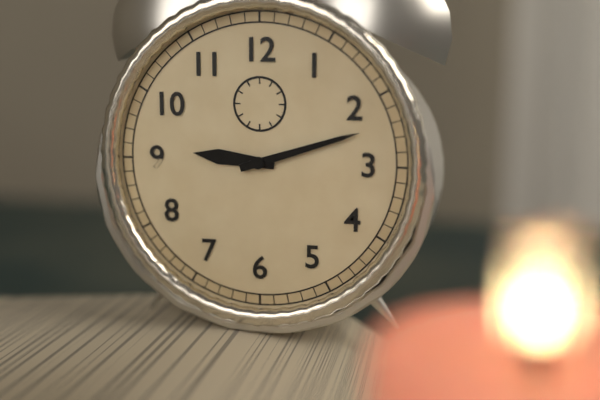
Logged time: 9 h 12 min
